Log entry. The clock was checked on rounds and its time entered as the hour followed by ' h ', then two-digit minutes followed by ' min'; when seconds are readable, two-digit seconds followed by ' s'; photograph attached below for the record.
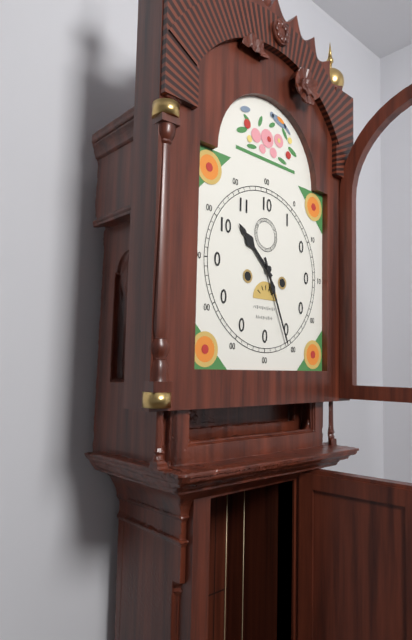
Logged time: 10 h 26 min
